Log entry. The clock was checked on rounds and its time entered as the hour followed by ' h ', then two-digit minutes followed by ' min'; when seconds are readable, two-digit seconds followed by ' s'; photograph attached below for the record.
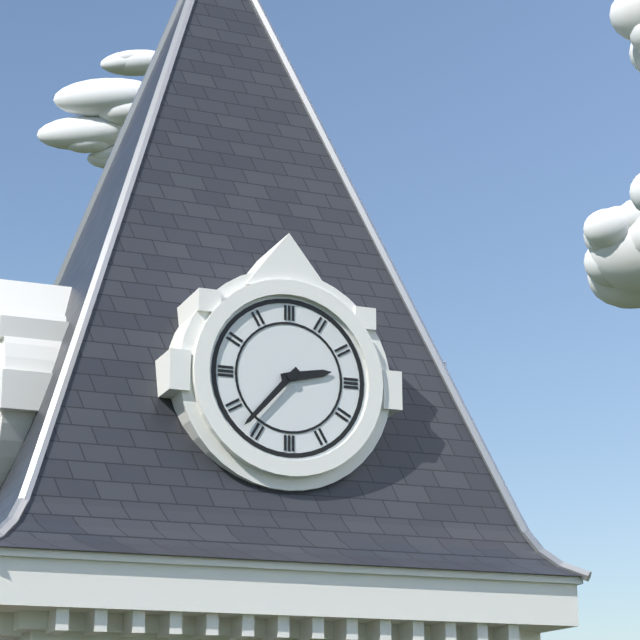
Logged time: 2 h 37 min
